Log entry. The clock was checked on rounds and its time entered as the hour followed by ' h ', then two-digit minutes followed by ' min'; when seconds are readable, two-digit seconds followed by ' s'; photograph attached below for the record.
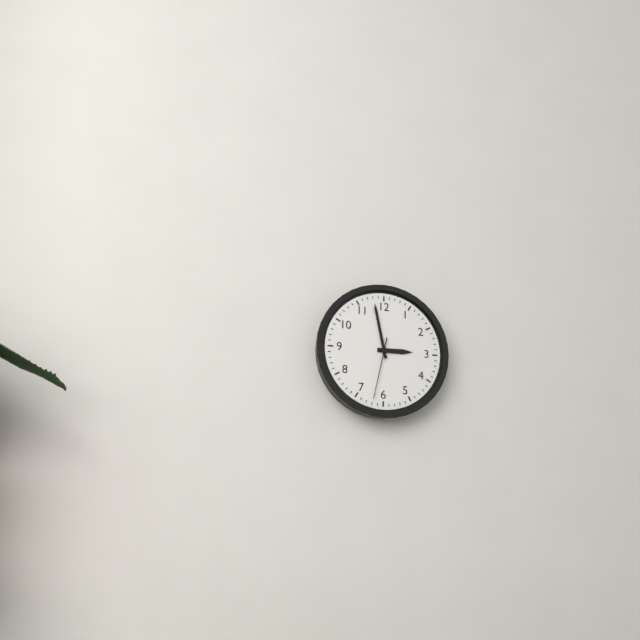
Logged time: 2 h 58 min 32 s
